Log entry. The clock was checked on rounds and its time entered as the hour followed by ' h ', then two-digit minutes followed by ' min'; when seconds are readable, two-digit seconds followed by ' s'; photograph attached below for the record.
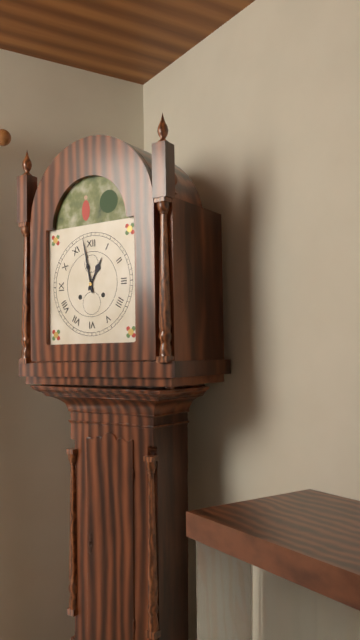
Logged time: 12 h 58 min
